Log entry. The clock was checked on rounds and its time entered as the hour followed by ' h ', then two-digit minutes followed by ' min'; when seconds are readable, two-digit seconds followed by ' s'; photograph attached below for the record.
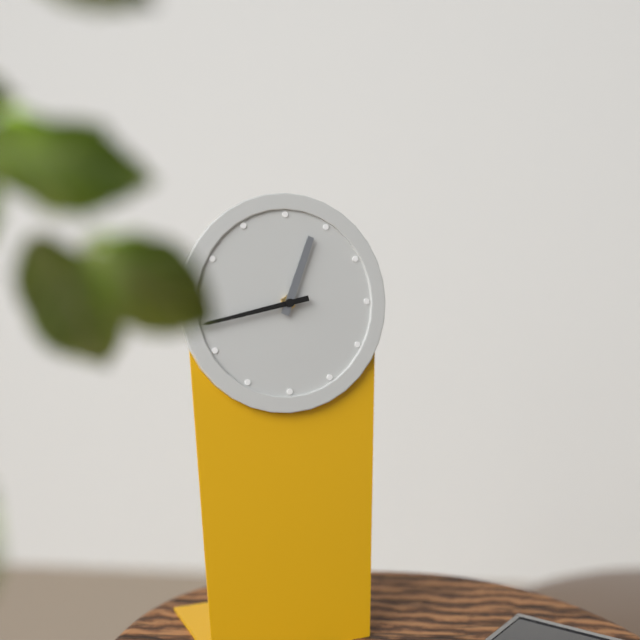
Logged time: 12 h 43 min
